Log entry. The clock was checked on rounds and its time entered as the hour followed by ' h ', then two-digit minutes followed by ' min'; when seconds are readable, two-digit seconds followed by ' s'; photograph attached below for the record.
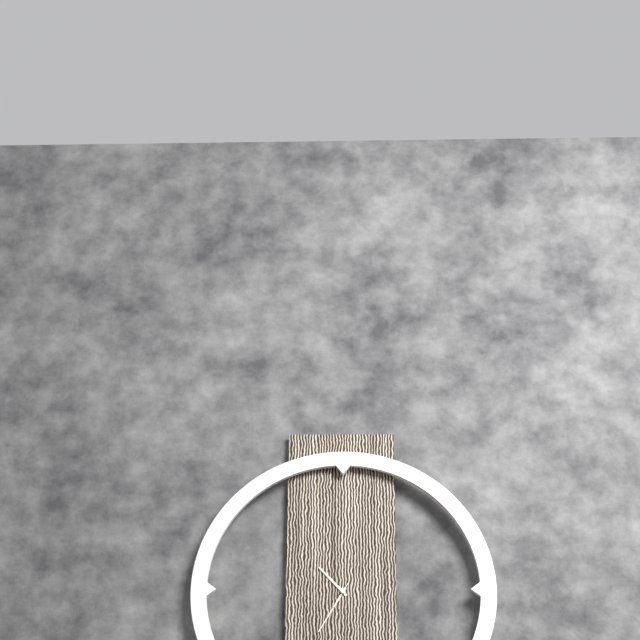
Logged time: 10 h 35 min
